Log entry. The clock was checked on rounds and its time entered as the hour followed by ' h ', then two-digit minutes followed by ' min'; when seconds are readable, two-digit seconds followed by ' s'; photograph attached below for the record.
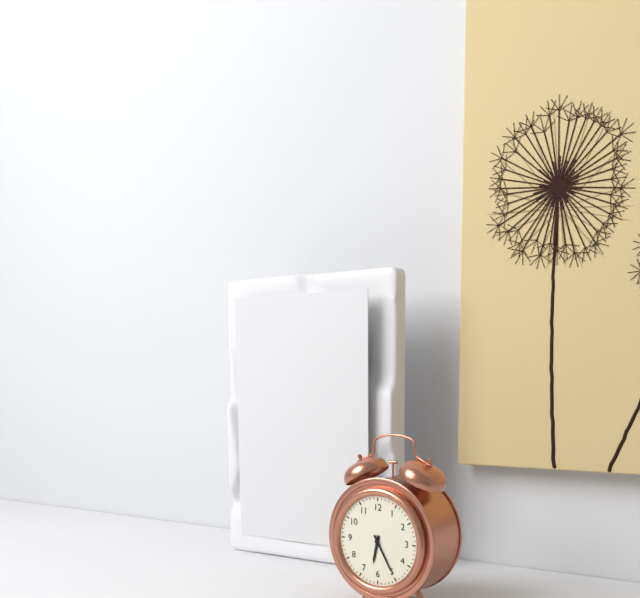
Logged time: 6 h 25 min
